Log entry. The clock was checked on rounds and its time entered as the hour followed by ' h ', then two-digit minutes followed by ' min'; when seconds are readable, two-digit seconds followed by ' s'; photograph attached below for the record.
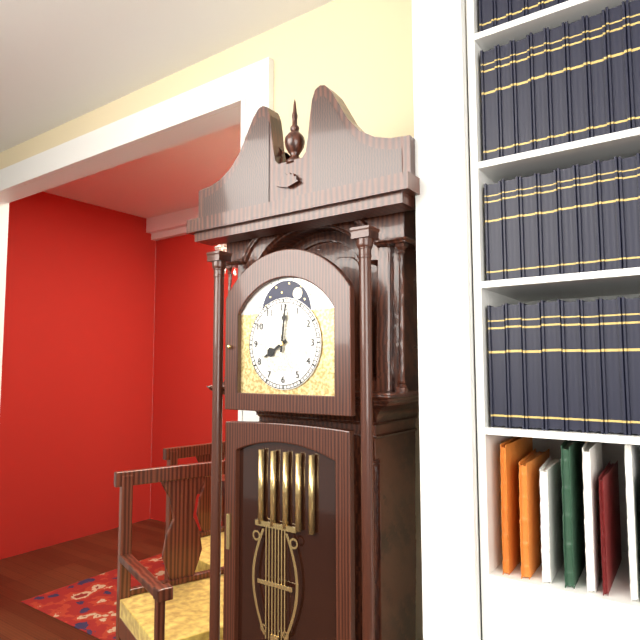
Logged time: 8 h 01 min
